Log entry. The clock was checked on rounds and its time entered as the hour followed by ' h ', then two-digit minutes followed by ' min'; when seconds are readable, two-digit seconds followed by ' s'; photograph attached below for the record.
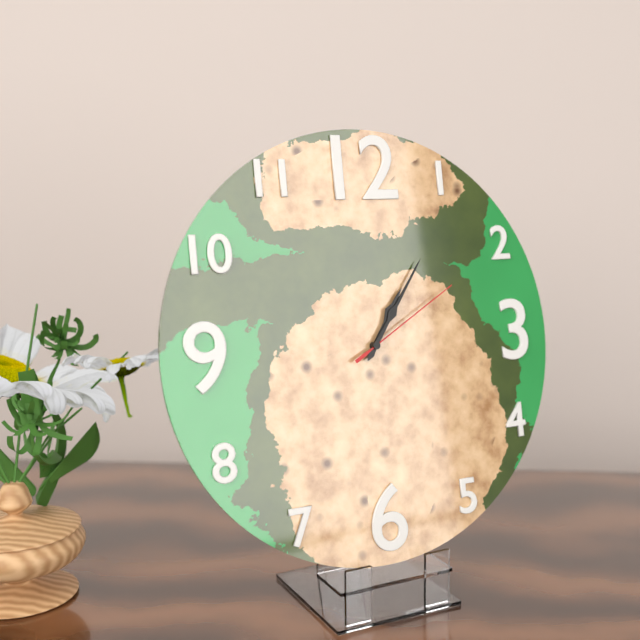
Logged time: 1 h 06 min 10 s
